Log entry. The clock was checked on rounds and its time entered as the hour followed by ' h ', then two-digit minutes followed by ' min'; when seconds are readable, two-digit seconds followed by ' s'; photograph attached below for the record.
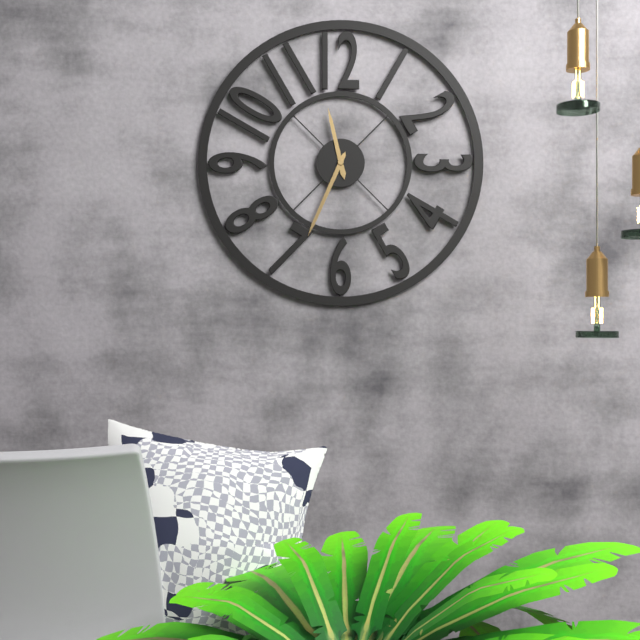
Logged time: 11 h 34 min
